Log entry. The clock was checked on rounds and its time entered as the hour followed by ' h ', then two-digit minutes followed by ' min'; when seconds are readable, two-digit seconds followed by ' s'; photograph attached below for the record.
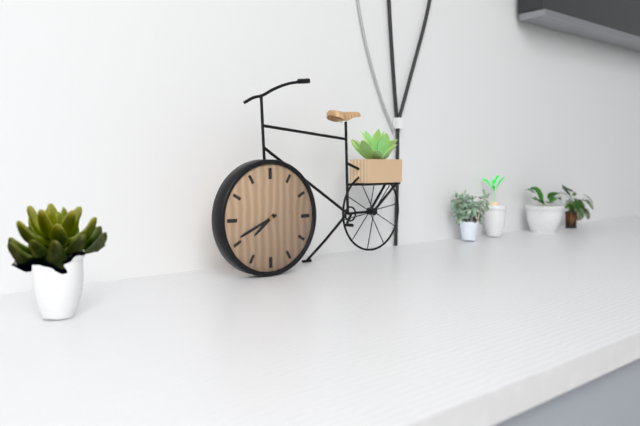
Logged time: 7 h 41 min
